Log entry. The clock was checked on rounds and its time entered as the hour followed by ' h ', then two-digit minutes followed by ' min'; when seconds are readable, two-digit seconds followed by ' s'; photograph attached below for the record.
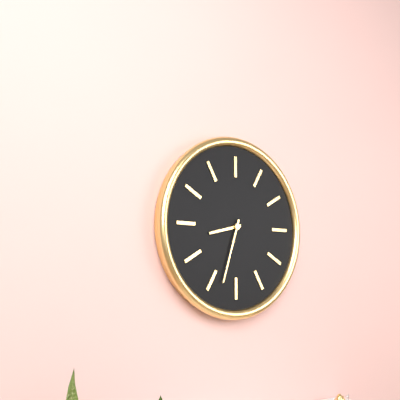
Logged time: 8 h 33 min
